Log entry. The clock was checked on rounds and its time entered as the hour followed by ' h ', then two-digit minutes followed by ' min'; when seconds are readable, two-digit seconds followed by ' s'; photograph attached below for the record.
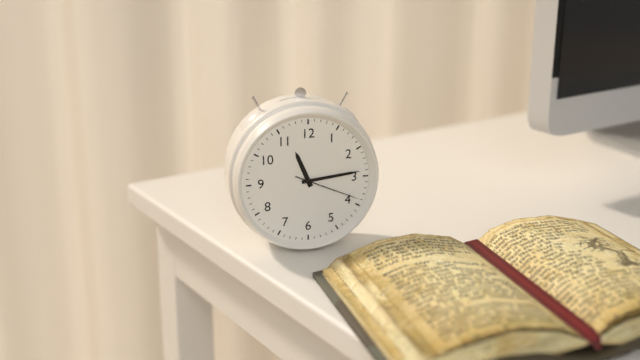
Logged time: 11 h 14 min 19 s
